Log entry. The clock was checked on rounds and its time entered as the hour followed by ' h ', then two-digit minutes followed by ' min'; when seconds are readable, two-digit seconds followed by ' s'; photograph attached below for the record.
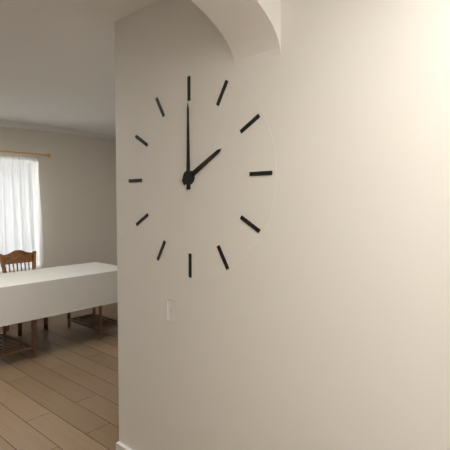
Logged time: 2 h 00 min
